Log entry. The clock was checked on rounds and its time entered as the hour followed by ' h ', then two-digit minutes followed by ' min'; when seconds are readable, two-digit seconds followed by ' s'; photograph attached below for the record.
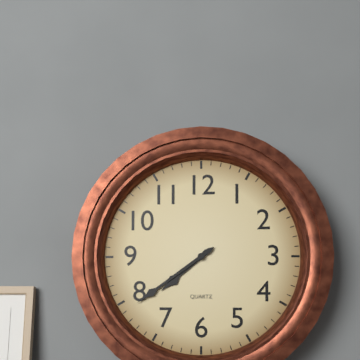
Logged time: 7 h 39 min
